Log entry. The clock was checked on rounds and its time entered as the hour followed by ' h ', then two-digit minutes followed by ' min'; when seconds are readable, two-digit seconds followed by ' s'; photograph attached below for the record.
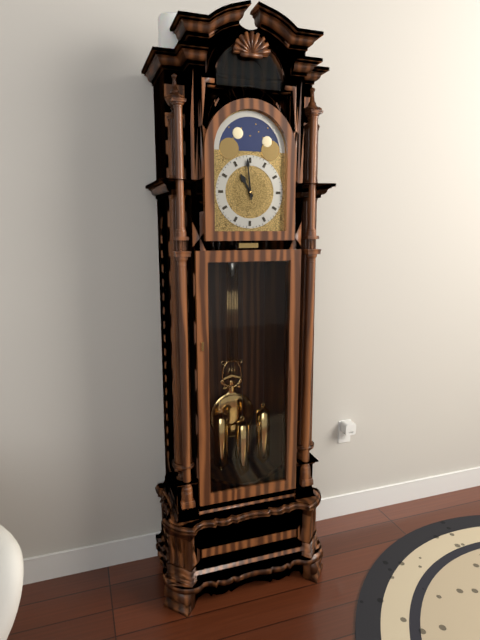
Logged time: 10 h 59 min
